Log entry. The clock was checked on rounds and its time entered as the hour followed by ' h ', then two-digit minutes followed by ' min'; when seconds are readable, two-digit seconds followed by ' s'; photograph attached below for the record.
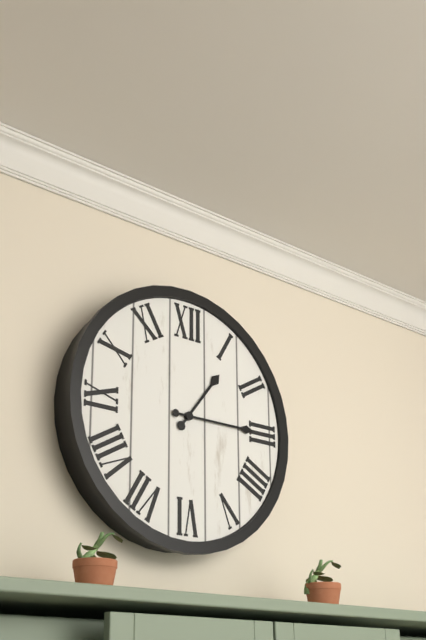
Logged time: 1 h 15 min
